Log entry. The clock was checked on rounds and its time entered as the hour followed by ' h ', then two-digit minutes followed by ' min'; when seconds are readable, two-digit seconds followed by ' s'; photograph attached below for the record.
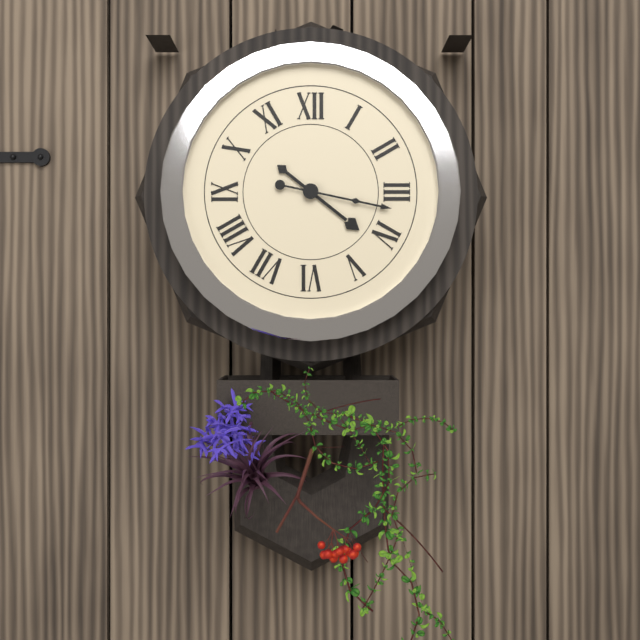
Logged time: 4 h 17 min
